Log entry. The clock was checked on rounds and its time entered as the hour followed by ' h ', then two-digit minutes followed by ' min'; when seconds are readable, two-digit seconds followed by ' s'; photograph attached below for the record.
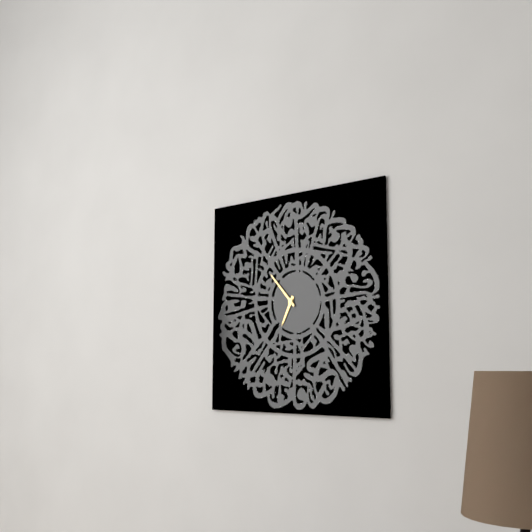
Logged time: 6 h 53 min
